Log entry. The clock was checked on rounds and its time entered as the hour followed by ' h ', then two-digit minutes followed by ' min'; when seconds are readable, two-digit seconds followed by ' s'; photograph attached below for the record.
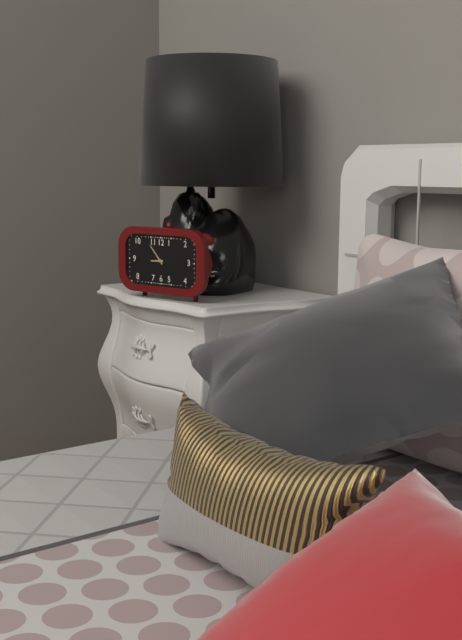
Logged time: 8 h 53 min
